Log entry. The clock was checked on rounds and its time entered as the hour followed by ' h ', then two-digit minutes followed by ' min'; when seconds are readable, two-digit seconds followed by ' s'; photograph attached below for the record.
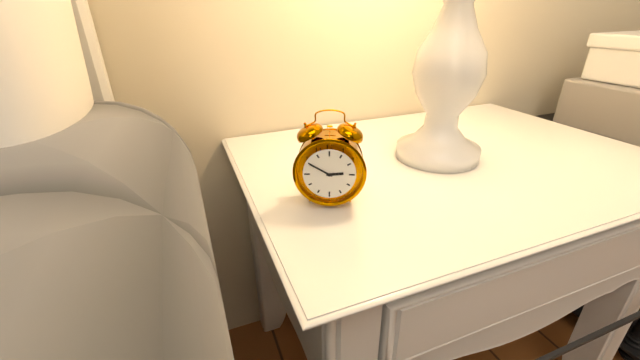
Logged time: 2 h 50 min
